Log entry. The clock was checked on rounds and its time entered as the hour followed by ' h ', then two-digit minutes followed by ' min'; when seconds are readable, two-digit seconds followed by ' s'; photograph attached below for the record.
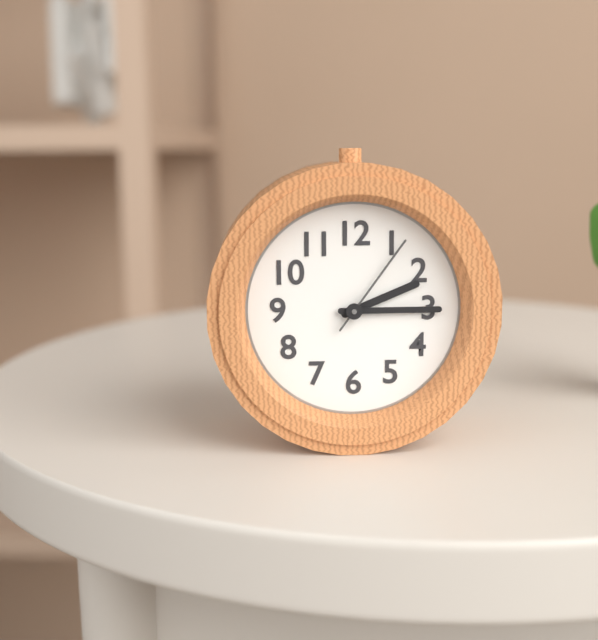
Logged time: 2 h 15 min 06 s
